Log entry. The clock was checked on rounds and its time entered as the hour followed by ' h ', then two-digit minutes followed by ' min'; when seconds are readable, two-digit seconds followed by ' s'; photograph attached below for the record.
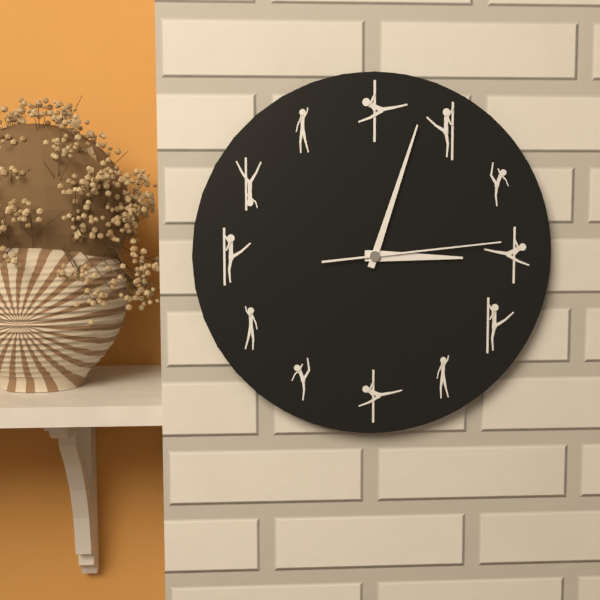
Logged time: 3 h 03 min 14 s
